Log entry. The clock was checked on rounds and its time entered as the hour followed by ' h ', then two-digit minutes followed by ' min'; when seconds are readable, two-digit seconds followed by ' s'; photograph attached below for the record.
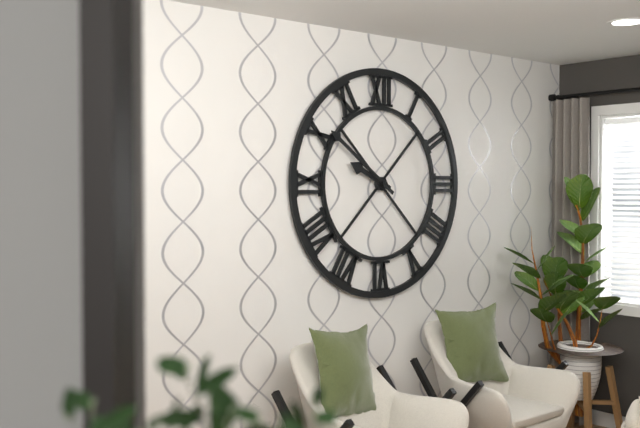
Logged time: 9 h 51 min
